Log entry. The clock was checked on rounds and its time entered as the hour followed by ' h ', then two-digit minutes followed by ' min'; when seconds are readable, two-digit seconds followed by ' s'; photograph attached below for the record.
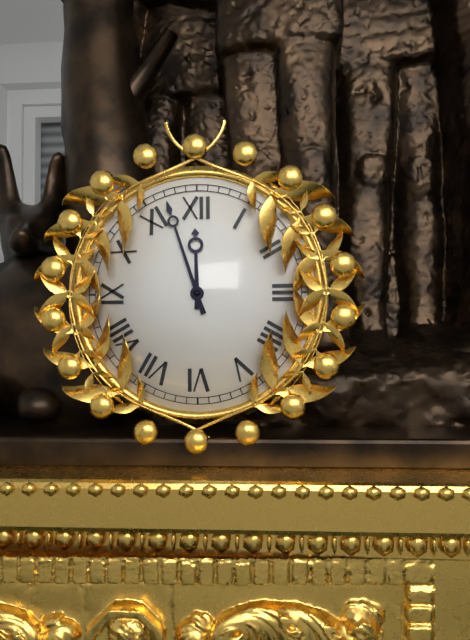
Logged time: 11 h 57 min
